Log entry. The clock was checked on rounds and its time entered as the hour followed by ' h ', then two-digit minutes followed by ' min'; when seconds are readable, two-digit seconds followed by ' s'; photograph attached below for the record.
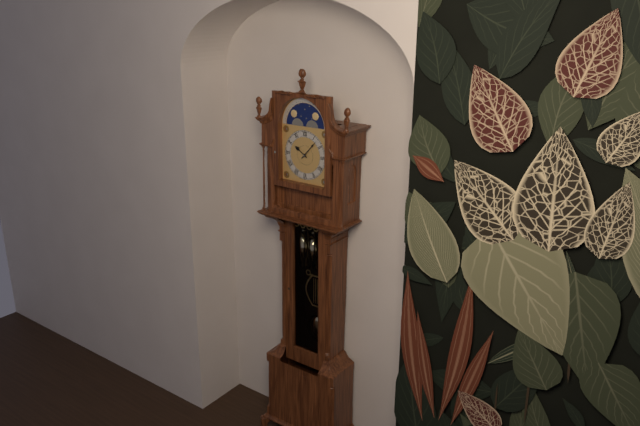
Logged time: 10 h 07 min
